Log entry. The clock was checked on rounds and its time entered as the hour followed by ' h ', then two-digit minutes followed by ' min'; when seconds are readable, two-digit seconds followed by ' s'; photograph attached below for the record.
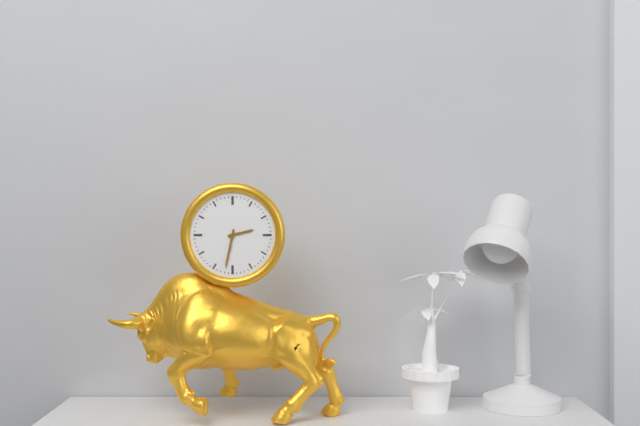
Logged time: 2 h 32 min
